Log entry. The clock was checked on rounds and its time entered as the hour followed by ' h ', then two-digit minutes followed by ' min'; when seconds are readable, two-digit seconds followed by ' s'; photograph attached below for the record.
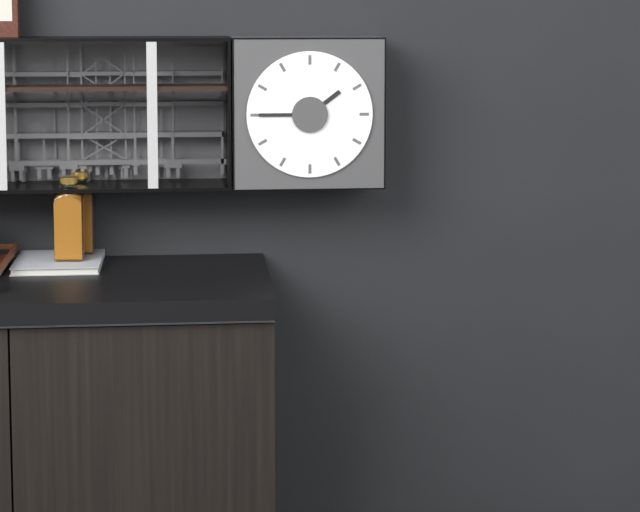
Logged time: 1 h 45 min
